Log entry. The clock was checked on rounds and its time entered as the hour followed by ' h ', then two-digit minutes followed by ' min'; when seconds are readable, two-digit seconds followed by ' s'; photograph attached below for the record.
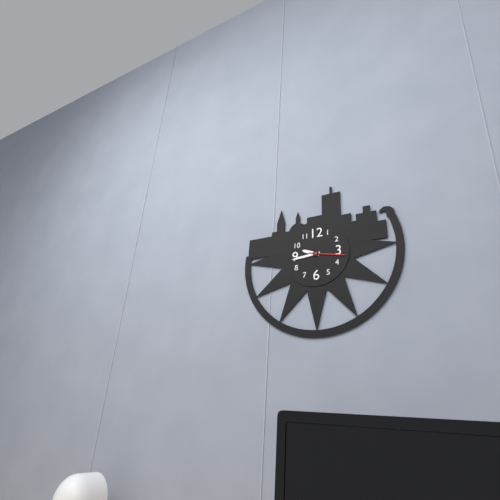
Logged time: 9 h 44 min
